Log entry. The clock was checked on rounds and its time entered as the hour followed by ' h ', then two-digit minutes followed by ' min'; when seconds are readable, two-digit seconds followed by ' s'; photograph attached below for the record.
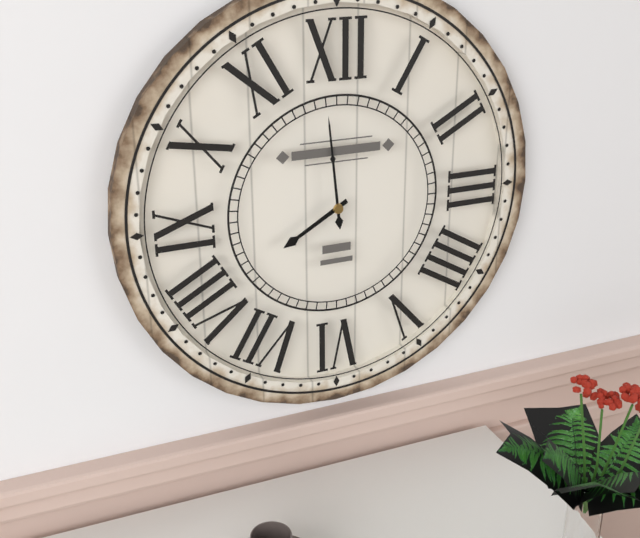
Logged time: 7 h 59 min
